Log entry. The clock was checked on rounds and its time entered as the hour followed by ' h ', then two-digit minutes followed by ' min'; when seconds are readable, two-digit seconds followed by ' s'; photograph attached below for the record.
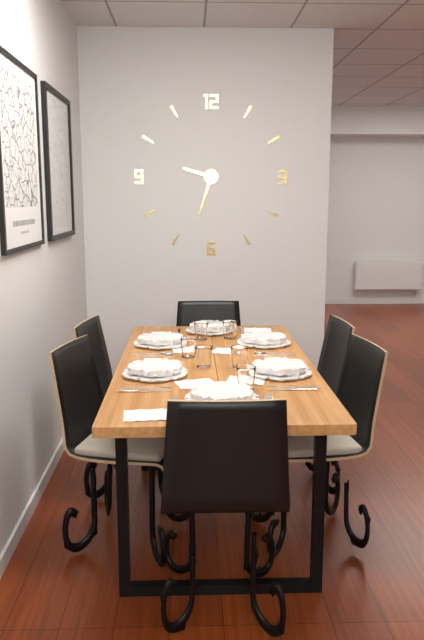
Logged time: 9 h 33 min
